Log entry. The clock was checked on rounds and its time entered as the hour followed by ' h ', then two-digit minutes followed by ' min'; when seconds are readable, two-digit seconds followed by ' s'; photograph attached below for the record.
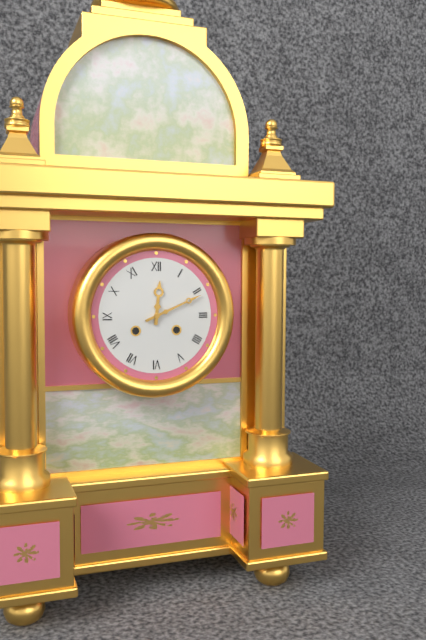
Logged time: 12 h 11 min
